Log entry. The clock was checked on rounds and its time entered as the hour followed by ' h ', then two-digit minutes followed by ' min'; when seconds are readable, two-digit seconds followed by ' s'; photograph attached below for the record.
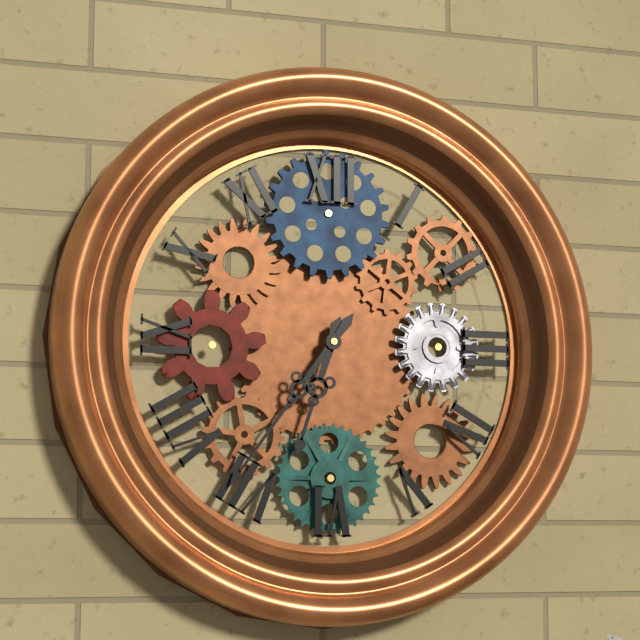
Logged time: 6 h 36 min
